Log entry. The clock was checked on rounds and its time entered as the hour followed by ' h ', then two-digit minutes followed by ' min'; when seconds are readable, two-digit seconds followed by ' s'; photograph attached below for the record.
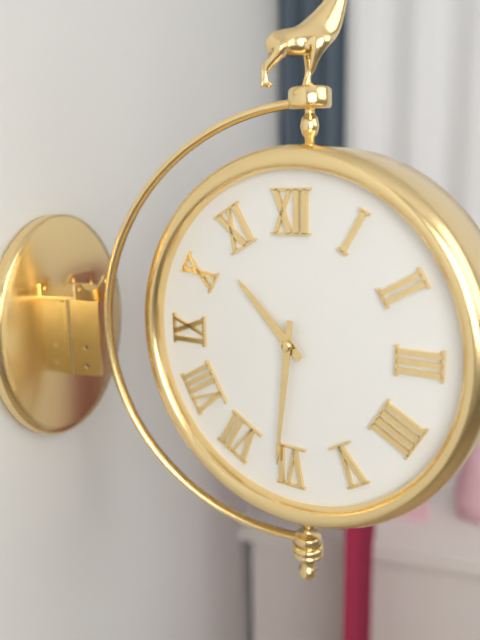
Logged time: 10 h 31 min
